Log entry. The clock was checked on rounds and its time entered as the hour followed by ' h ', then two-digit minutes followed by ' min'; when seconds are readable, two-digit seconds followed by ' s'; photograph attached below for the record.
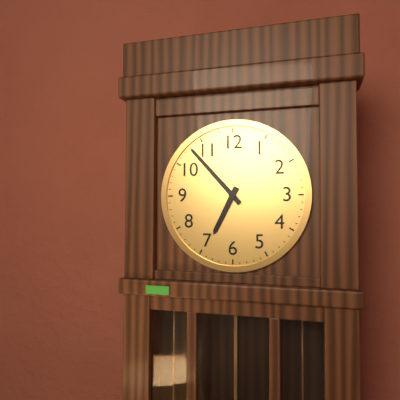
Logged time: 6 h 53 min
